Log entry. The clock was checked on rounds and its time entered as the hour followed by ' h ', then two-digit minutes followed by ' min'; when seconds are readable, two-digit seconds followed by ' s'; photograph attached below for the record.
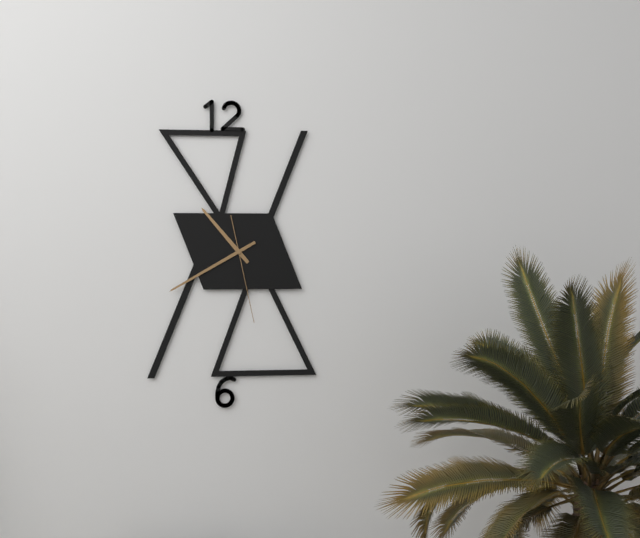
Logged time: 10 h 40 min 28 s
